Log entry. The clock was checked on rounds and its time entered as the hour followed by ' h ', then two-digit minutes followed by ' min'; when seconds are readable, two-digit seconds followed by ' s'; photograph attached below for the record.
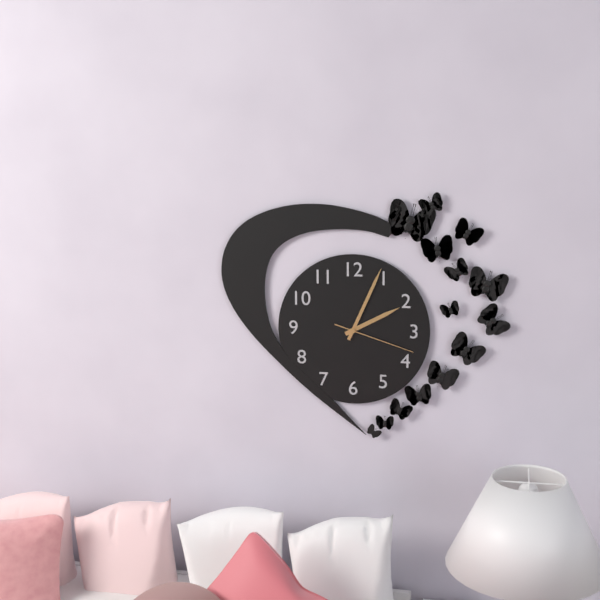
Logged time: 2 h 04 min 18 s
